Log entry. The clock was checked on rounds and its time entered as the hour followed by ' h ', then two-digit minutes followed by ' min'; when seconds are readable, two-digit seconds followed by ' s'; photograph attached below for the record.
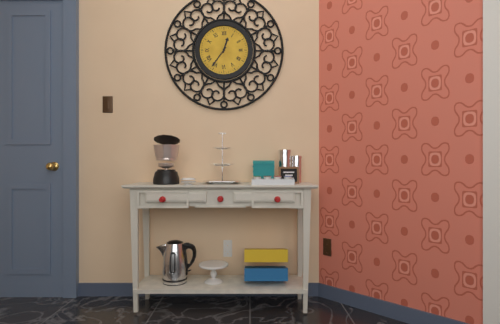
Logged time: 12 h 36 min
